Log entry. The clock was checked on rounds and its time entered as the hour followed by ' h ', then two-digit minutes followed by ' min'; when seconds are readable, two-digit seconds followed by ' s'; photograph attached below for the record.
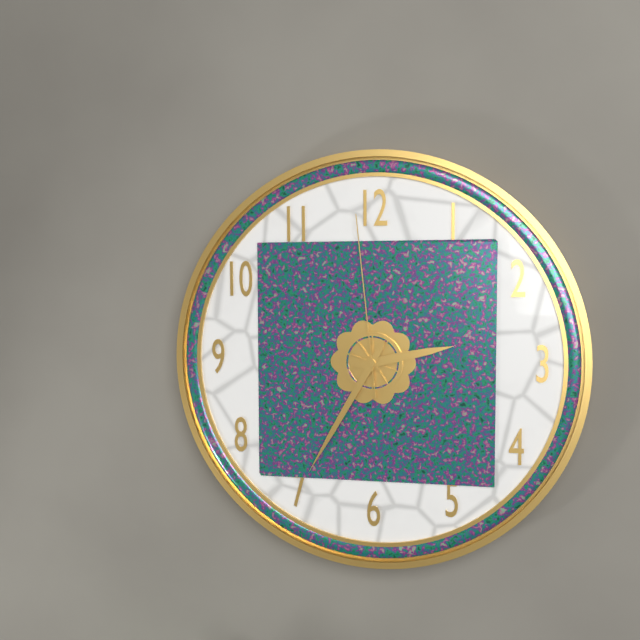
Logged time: 2 h 35 min 59 s
